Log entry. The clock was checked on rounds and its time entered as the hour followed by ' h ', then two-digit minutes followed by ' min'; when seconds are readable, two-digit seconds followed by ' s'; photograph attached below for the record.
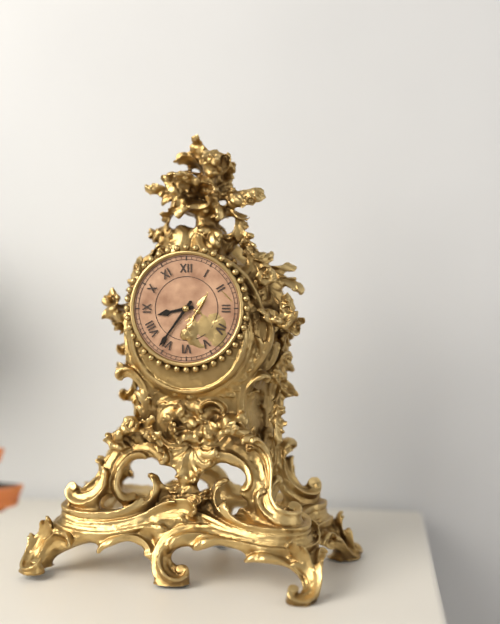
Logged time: 8 h 36 min
